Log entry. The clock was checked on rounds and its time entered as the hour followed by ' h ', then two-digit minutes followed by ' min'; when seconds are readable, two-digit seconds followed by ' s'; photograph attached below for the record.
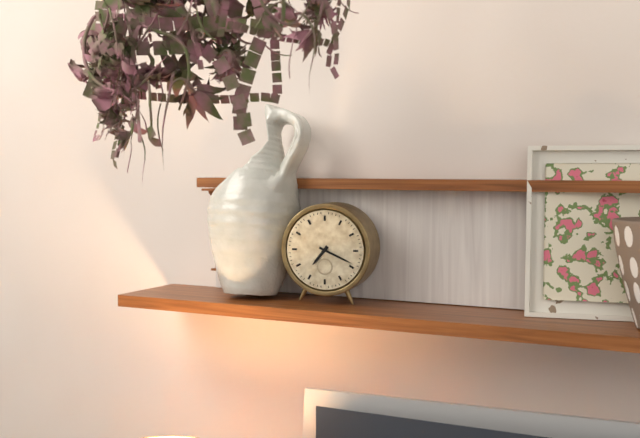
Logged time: 7 h 19 min
